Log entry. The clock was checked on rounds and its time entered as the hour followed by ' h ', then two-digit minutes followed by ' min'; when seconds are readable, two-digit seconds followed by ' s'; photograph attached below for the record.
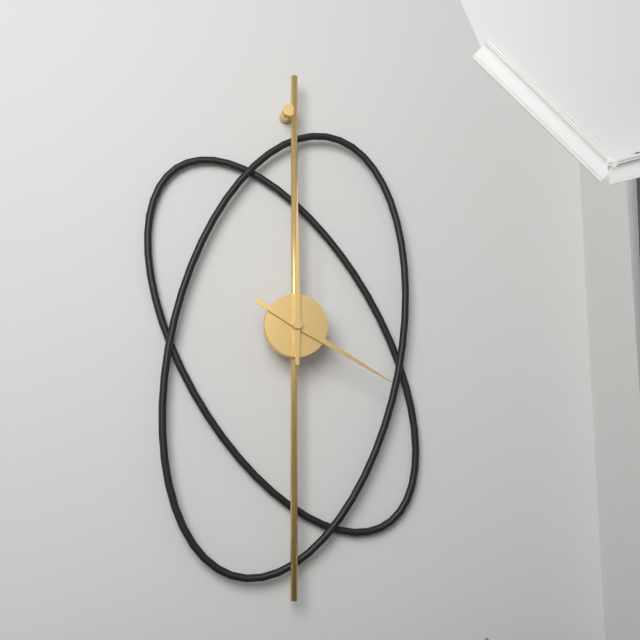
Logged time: 4 h 00 min
